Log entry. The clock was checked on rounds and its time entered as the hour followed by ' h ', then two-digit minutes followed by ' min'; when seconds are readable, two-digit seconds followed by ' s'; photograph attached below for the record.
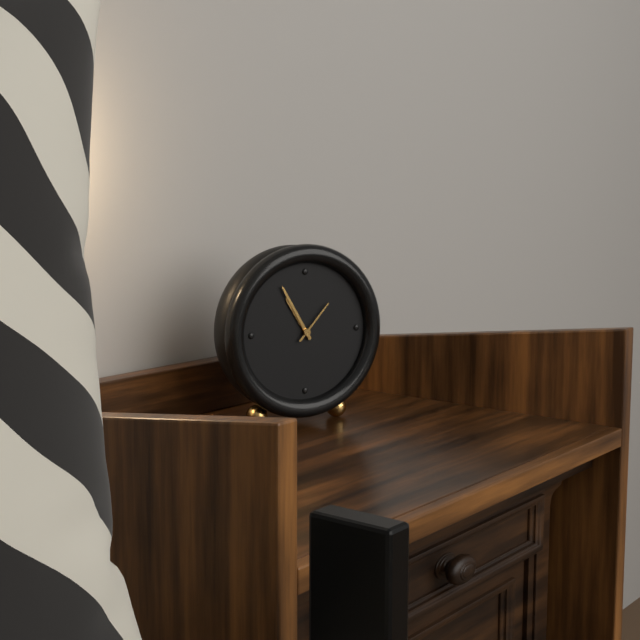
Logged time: 10 h 55 min
